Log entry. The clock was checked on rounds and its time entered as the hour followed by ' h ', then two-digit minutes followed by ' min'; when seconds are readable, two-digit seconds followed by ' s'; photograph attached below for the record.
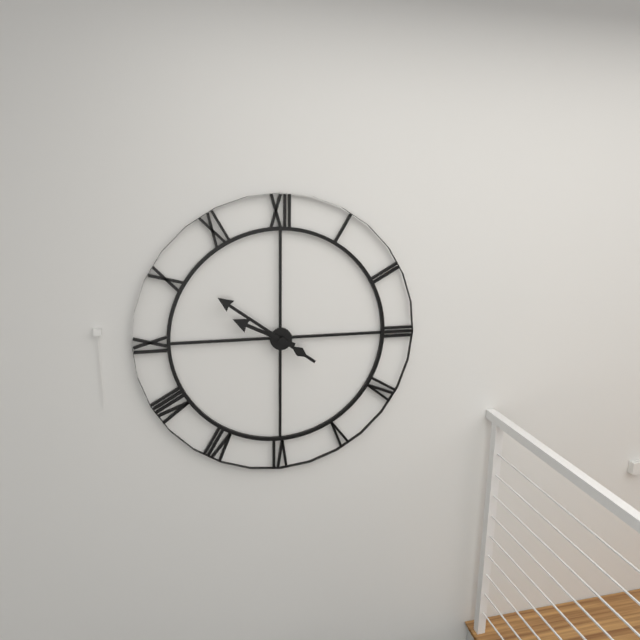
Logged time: 9 h 51 min
